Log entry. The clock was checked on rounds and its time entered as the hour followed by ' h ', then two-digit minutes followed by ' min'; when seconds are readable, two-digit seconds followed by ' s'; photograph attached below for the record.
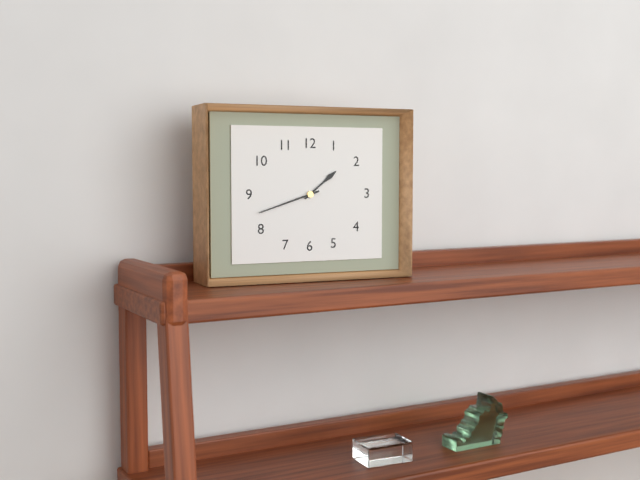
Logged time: 1 h 42 min
